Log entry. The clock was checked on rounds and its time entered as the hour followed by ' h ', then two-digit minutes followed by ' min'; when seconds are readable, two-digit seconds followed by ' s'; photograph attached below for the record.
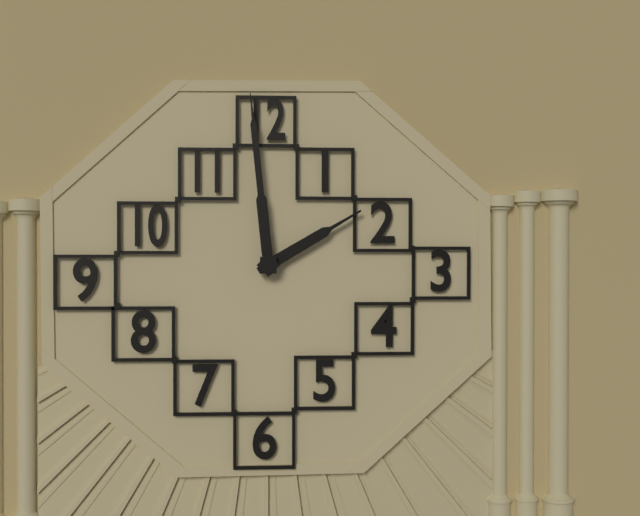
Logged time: 1 h 59 min
